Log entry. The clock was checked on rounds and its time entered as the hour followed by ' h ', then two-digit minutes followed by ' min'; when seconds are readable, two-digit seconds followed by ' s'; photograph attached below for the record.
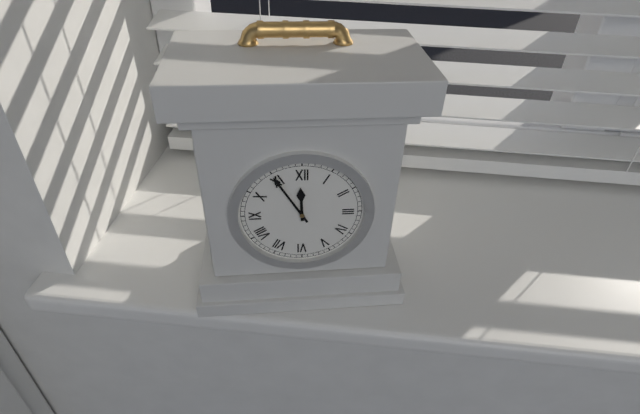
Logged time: 11 h 55 min
